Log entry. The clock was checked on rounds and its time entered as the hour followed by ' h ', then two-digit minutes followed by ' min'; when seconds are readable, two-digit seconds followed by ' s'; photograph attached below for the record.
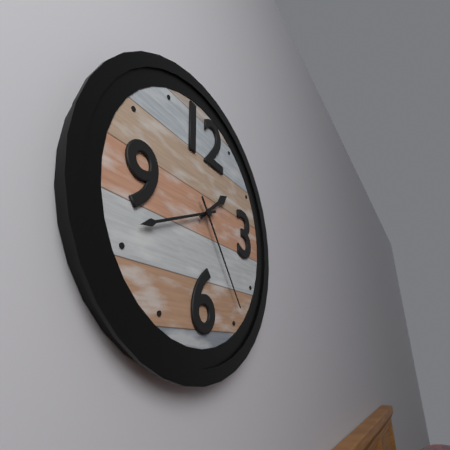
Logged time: 1 h 41 min 24 s
